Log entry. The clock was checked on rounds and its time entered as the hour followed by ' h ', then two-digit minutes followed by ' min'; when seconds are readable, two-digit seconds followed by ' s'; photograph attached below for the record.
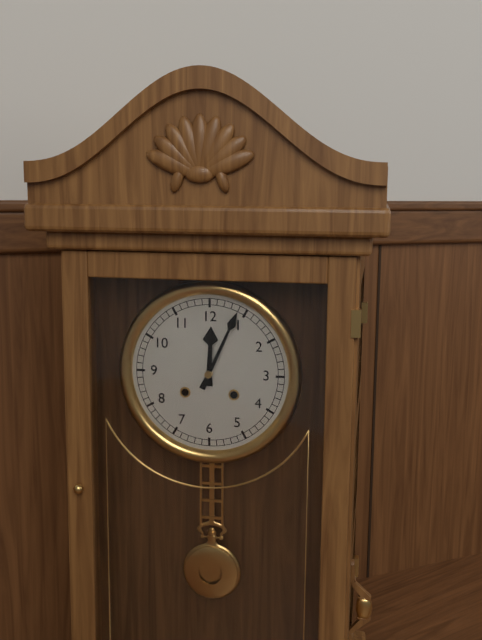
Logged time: 12 h 04 min
